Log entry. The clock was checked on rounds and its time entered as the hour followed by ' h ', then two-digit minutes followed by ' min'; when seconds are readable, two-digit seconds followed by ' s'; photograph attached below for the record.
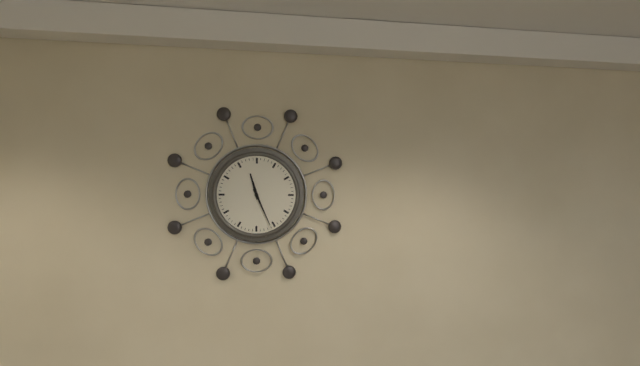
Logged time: 11 h 26 min
